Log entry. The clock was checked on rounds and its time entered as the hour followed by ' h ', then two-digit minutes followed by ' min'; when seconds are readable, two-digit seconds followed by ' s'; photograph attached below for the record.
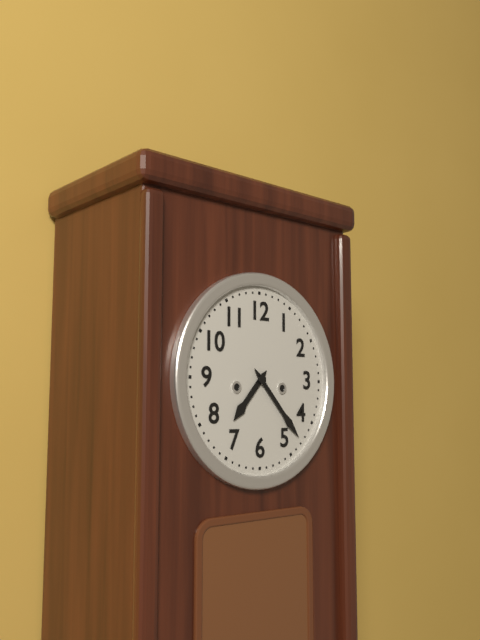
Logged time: 7 h 23 min
